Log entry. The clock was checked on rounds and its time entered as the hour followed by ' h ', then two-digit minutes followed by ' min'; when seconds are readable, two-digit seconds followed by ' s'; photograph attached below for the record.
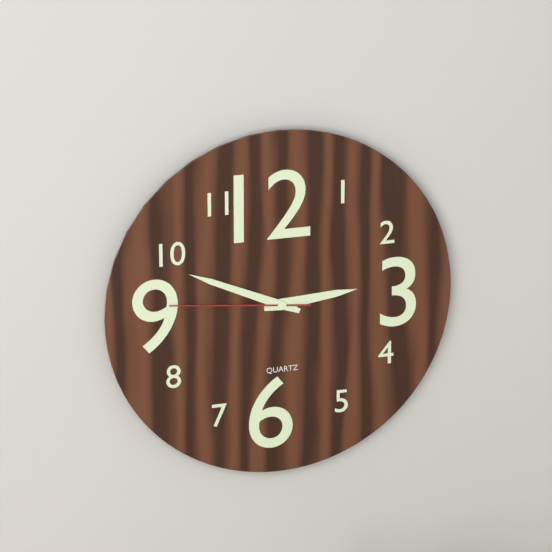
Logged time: 2 h 49 min 46 s
